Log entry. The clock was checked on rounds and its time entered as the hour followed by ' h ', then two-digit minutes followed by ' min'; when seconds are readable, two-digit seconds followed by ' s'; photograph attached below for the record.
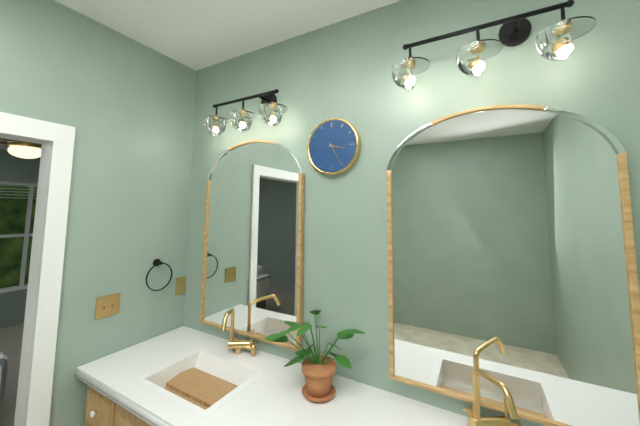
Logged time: 3 h 25 min
